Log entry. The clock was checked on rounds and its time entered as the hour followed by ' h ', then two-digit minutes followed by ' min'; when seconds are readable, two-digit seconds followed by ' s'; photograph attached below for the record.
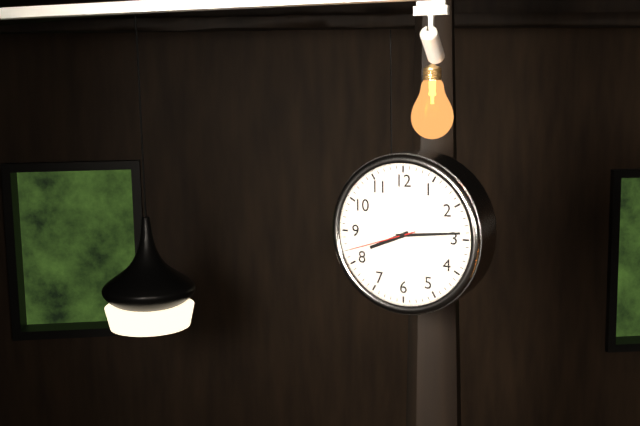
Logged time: 8 h 14 min 42 s
